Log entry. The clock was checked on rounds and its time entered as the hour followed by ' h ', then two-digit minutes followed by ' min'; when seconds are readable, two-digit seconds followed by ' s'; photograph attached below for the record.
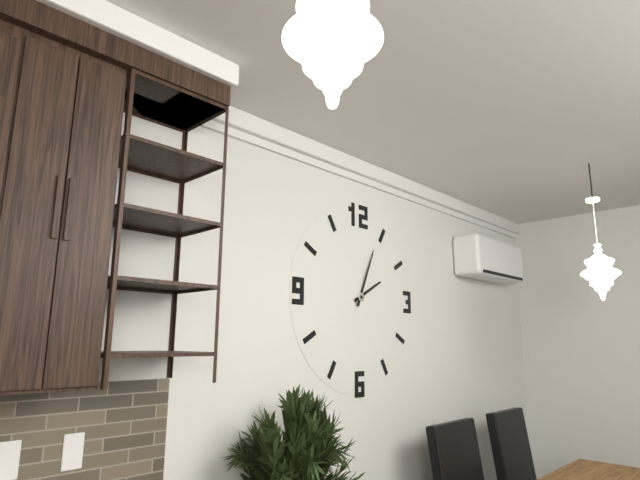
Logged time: 2 h 04 min
